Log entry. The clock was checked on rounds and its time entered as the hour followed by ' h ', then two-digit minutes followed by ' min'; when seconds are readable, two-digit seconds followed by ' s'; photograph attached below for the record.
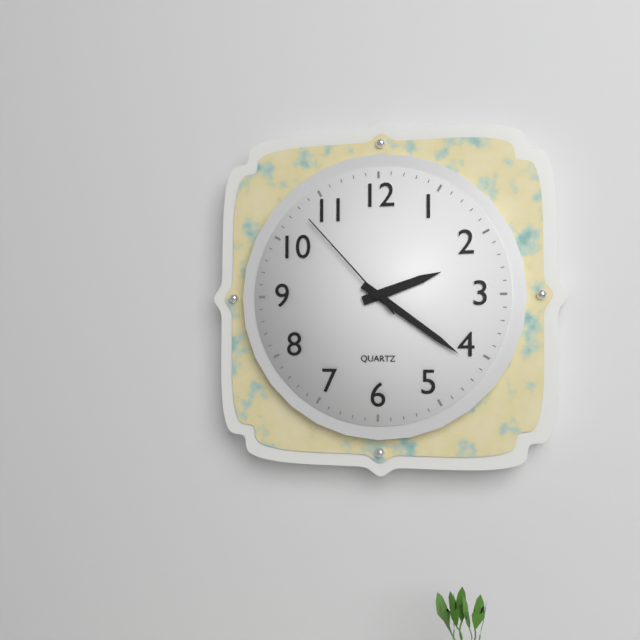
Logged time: 2 h 21 min 53 s
